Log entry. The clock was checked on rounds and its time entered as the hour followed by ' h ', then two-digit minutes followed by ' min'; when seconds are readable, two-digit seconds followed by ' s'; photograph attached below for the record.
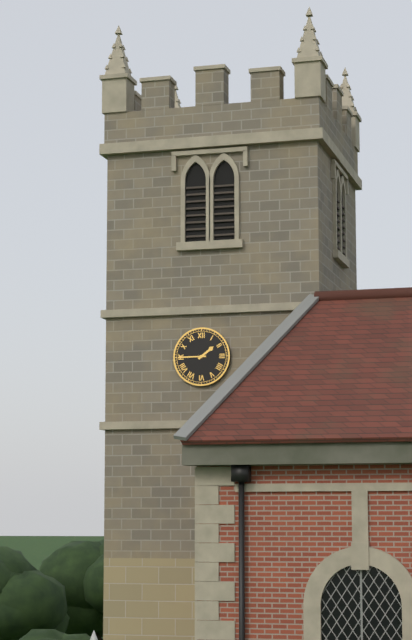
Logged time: 1 h 45 min
